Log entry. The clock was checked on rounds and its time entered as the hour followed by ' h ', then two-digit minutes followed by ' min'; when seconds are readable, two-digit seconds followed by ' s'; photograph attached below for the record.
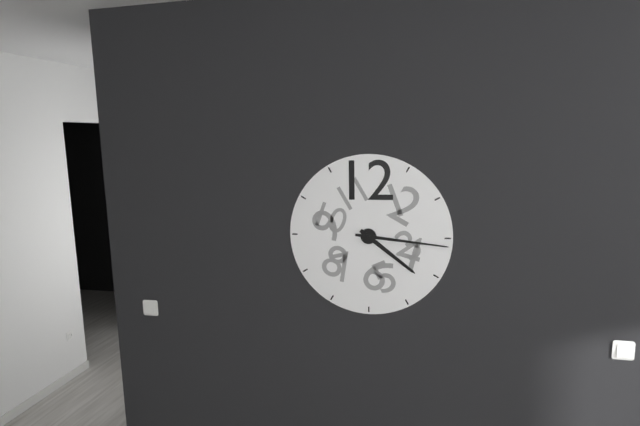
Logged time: 4 h 16 min
